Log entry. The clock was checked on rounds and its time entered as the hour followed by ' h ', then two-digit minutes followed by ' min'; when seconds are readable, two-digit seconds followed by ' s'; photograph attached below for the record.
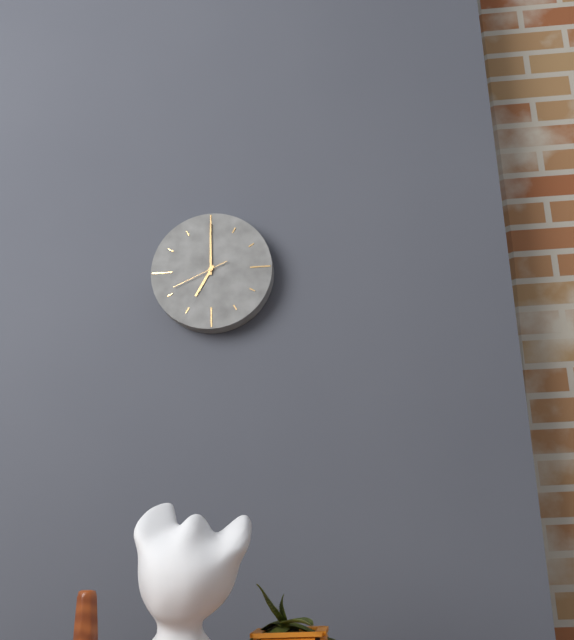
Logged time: 7 h 00 min 41 s
